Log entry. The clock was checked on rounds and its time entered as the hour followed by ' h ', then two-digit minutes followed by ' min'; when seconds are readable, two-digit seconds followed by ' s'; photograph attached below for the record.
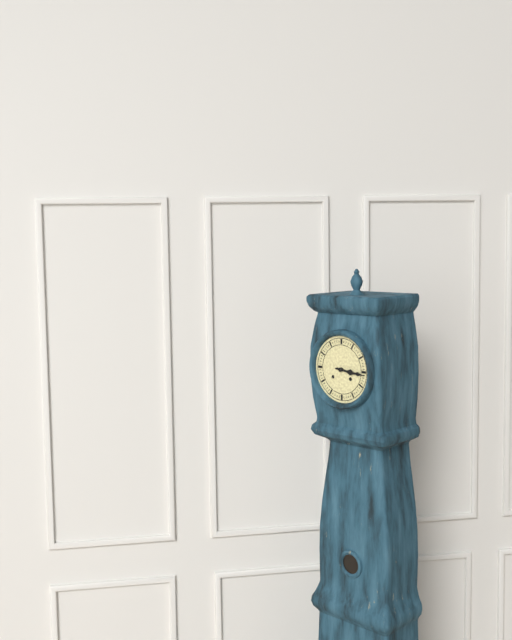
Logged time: 3 h 16 min
